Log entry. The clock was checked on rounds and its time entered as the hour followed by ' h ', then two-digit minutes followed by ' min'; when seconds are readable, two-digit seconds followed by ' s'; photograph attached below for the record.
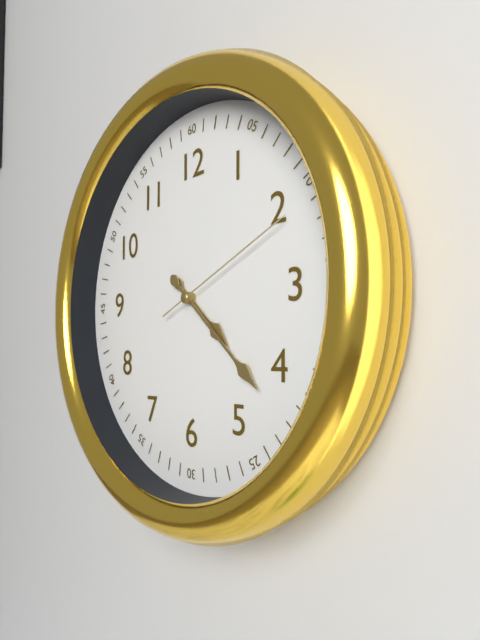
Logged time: 4 h 22 min 11 s
